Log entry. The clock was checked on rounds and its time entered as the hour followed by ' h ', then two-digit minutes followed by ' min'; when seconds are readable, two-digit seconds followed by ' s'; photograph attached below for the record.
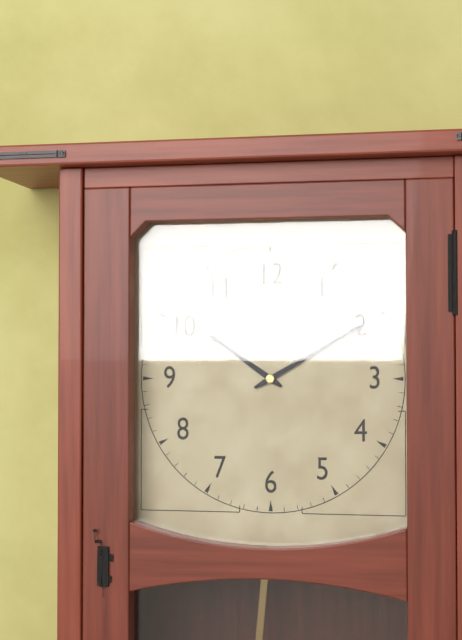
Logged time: 10 h 10 min
